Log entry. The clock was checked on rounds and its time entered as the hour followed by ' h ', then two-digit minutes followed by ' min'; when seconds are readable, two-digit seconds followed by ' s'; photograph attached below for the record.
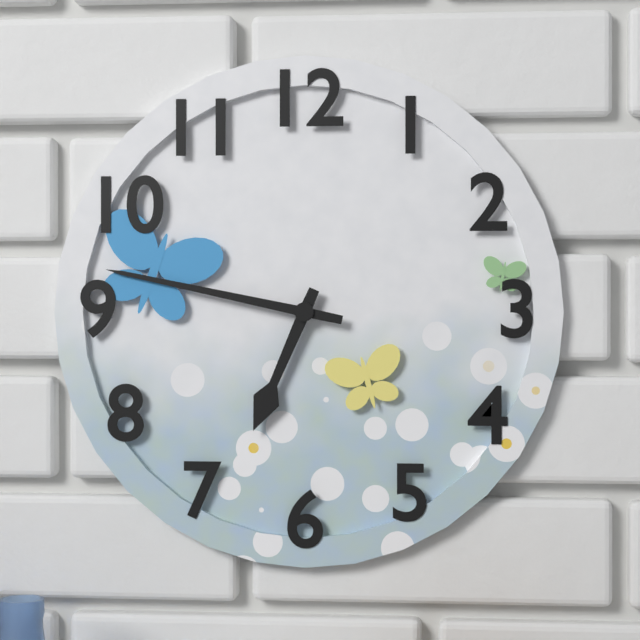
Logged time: 6 h 47 min
